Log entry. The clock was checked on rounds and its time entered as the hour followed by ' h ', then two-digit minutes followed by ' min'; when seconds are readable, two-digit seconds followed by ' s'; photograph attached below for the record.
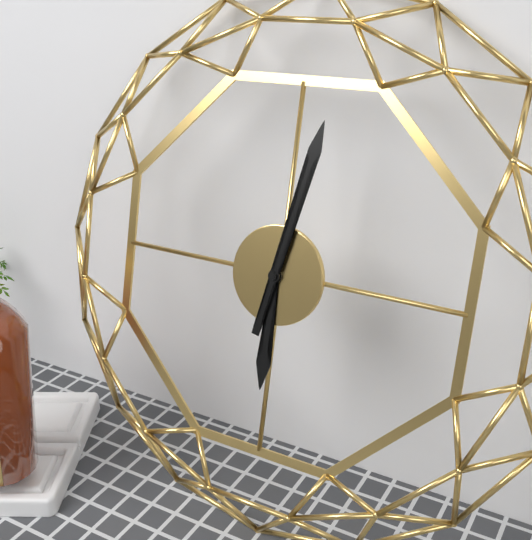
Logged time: 6 h 02 min
